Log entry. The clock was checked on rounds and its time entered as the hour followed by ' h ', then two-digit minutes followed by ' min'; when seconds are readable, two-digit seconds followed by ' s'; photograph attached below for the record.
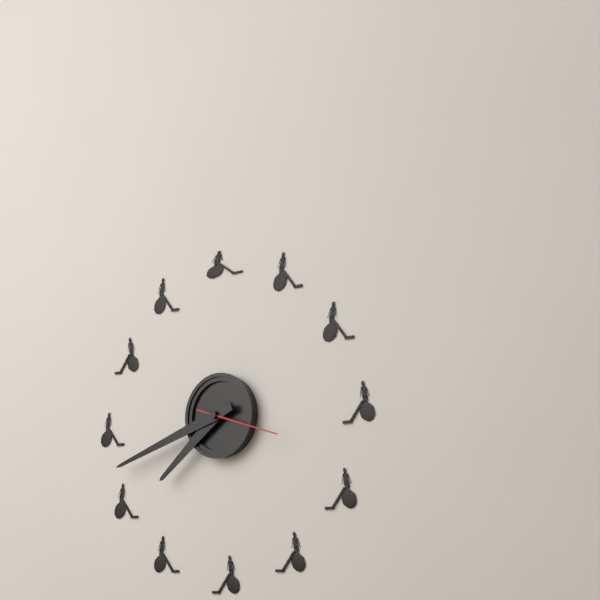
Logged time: 7 h 42 min 18 s
